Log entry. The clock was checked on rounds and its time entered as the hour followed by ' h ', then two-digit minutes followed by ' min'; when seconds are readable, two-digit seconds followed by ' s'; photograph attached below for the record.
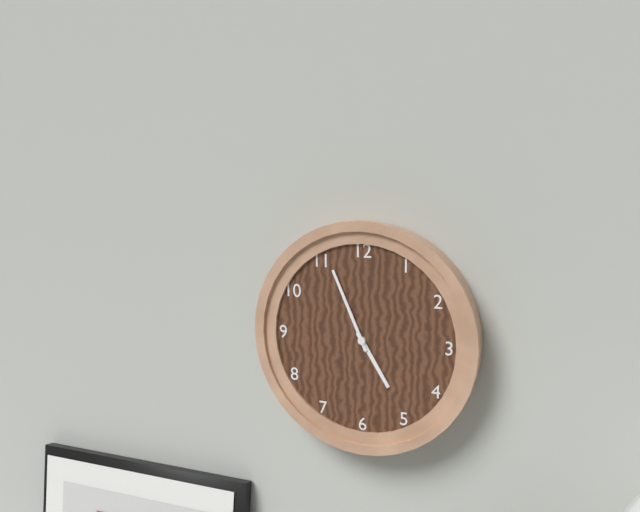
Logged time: 4 h 56 min
